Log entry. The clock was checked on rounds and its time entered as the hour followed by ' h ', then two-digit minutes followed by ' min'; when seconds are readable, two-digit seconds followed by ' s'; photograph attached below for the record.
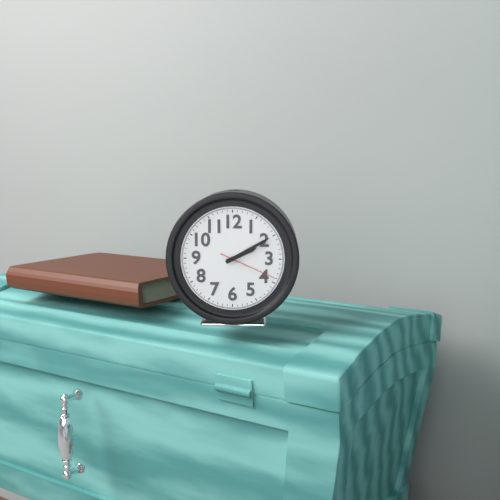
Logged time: 2 h 10 min 19 s
